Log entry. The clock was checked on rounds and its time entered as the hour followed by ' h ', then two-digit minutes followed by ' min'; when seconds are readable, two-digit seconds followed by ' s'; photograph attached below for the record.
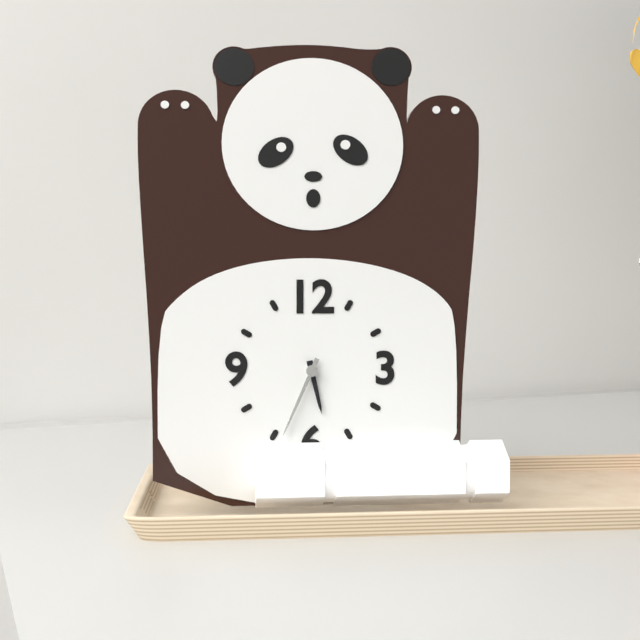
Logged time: 5 h 34 min
